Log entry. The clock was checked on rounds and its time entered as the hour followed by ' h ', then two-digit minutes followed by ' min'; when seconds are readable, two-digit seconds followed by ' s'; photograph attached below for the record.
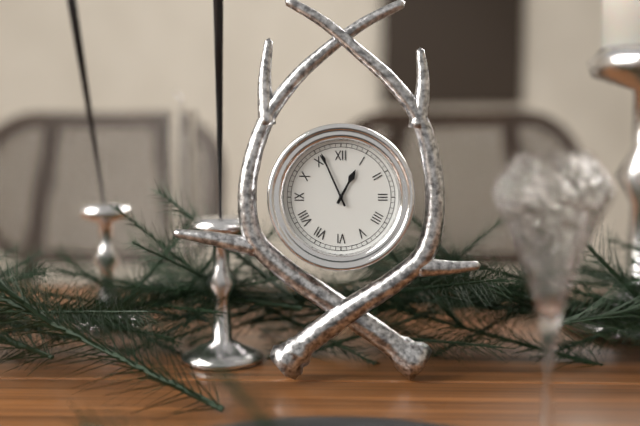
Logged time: 12 h 56 min
